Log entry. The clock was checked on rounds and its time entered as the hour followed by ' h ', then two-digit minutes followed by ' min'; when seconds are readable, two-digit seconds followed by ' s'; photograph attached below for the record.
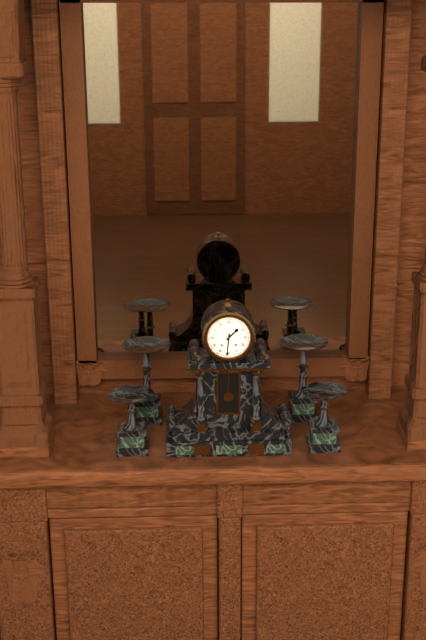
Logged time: 1 h 31 min
